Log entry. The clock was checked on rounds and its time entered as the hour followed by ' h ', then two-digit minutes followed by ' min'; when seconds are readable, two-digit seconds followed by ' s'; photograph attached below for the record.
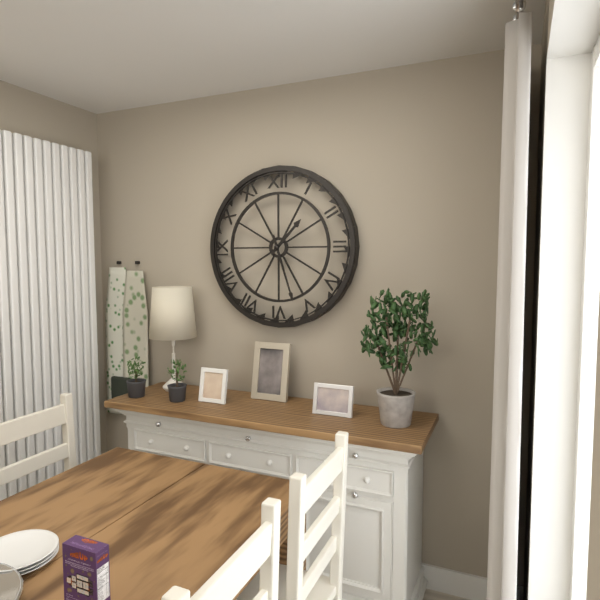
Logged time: 1 h 27 min
